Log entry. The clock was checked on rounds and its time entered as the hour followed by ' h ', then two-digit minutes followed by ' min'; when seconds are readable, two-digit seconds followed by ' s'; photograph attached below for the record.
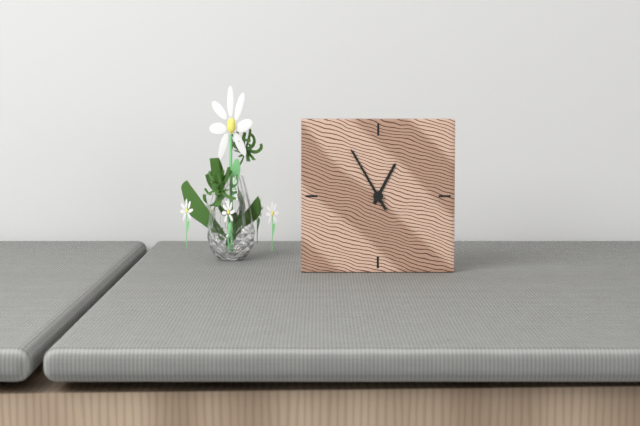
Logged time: 12 h 55 min
